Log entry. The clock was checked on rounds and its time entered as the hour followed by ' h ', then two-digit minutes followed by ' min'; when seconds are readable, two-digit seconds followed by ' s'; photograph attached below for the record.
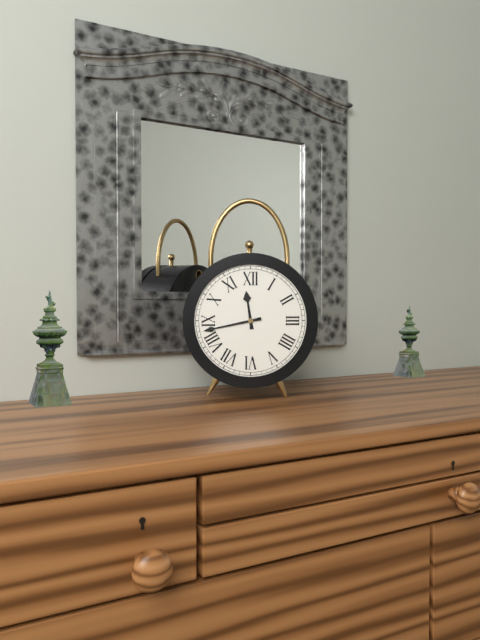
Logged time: 11 h 43 min
